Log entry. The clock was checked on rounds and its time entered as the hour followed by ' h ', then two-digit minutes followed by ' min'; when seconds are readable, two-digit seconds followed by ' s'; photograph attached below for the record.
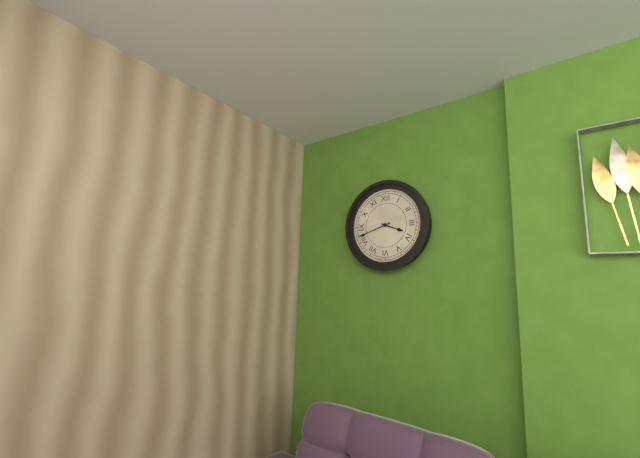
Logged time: 3 h 42 min
